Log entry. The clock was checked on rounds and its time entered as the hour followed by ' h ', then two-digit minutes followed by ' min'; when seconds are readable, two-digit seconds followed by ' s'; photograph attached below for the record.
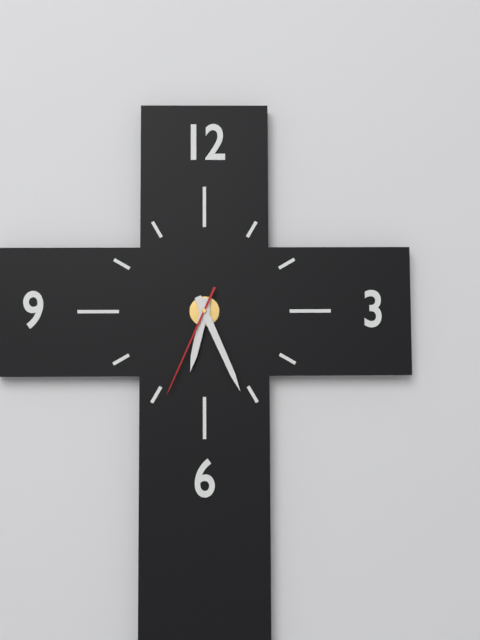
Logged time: 6 h 26 min 34 s
